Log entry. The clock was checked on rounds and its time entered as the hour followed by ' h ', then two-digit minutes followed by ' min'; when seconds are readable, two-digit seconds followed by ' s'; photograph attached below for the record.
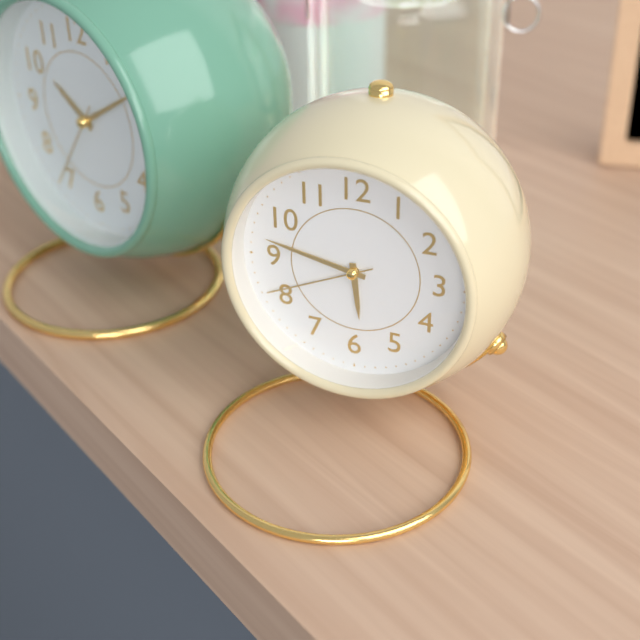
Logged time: 5 h 47 min 41 s
